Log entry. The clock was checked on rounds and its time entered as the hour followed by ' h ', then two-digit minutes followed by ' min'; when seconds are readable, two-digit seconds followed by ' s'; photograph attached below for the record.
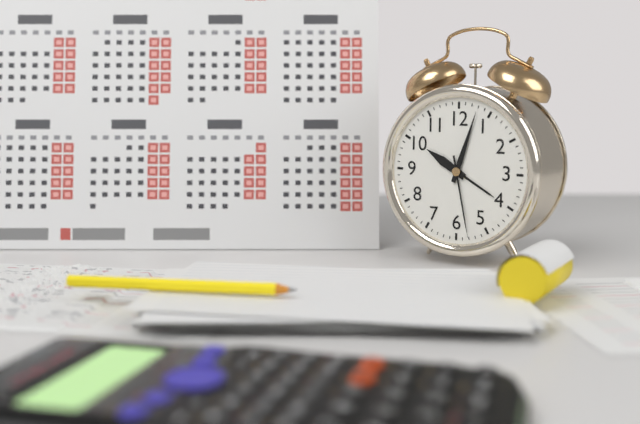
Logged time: 10 h 03 min 28 s
